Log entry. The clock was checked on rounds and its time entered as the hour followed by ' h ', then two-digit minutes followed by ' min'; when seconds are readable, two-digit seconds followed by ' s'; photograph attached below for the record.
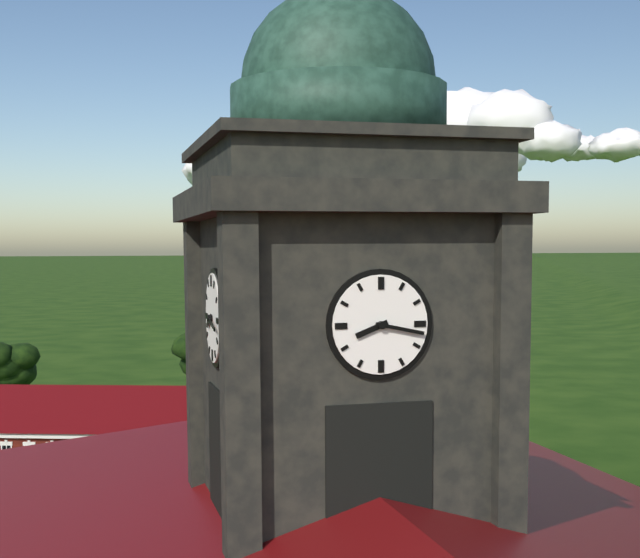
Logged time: 8 h 17 min
